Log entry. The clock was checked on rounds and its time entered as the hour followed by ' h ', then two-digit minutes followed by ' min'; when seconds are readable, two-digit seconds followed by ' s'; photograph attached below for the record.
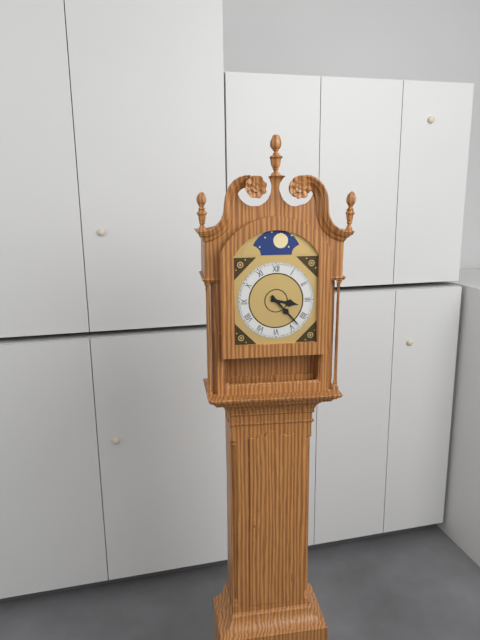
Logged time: 3 h 23 min
